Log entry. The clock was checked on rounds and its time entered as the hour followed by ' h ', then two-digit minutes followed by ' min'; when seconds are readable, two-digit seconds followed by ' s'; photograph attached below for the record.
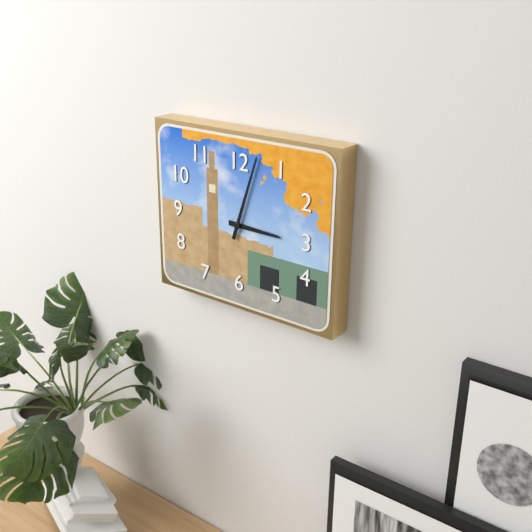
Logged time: 3 h 03 min
